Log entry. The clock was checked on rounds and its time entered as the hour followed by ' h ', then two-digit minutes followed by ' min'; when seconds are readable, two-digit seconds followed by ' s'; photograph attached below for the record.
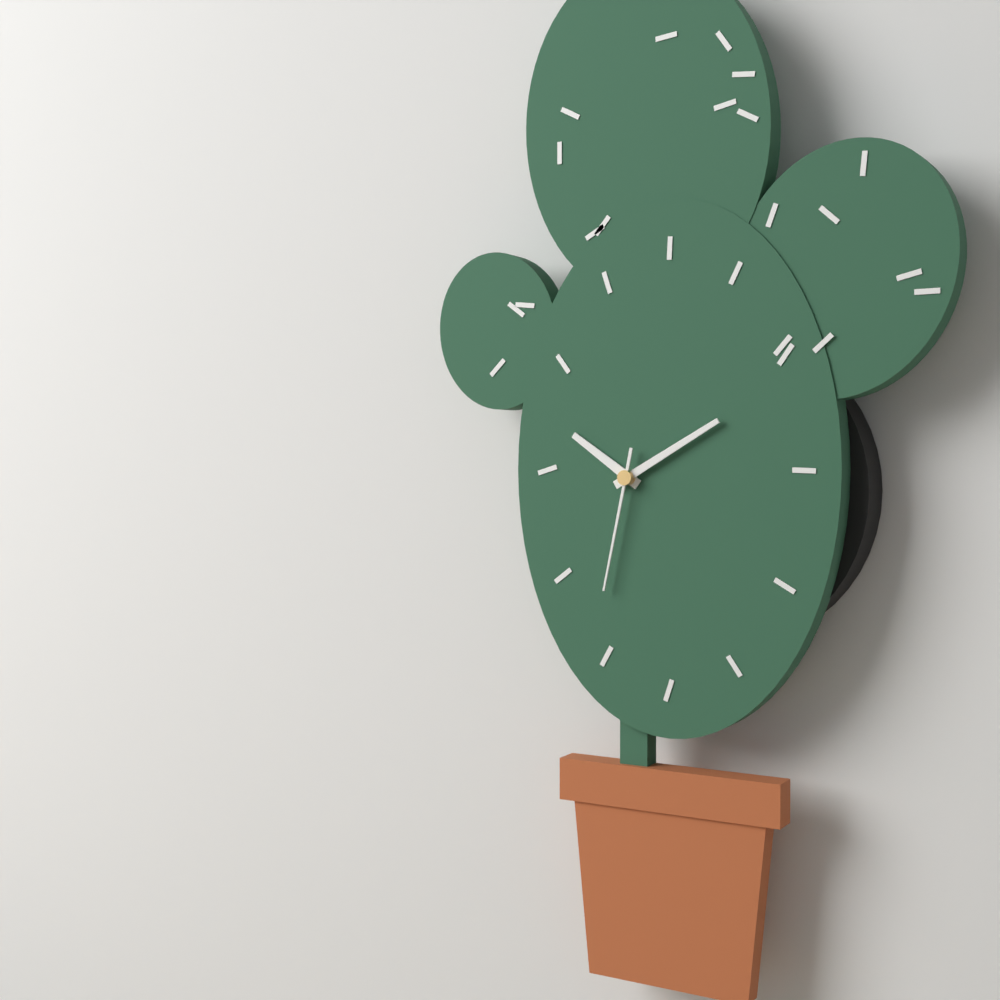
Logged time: 10 h 10 min 32 s
